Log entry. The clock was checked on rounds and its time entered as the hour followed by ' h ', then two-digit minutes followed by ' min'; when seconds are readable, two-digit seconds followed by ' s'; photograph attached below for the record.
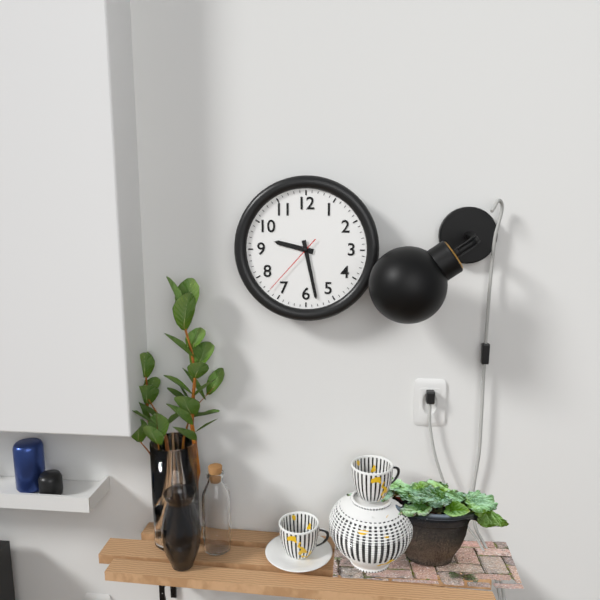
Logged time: 9 h 28 min 37 s
